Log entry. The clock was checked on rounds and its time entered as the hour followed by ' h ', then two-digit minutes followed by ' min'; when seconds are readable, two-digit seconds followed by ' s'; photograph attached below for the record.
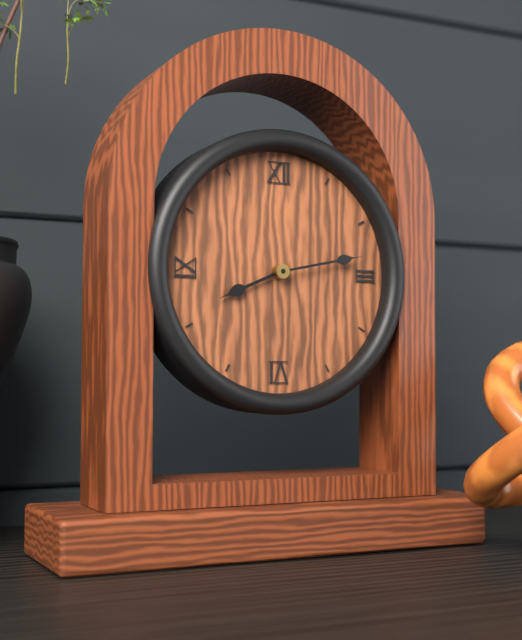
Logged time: 8 h 13 min
